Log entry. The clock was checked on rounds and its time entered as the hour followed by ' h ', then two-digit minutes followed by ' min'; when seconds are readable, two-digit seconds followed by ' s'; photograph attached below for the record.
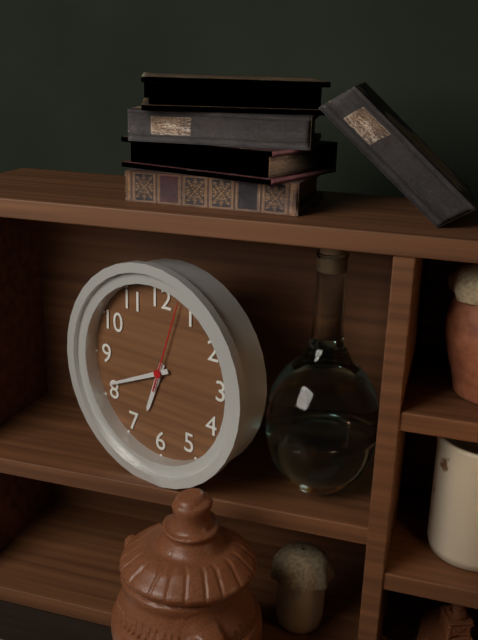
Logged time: 6 h 41 min 03 s
